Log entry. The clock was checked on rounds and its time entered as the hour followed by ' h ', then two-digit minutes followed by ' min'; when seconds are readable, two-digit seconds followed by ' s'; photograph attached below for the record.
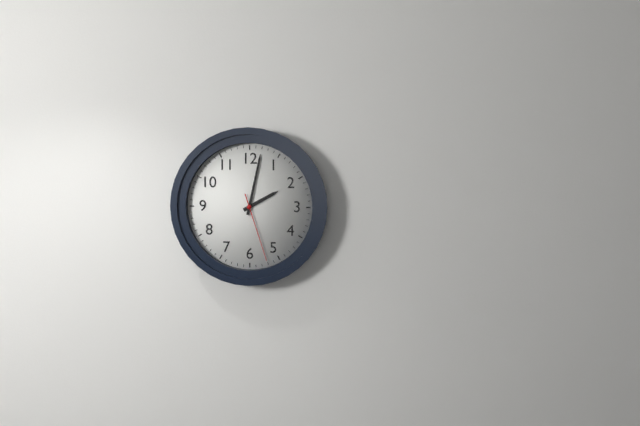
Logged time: 2 h 02 min 27 s
